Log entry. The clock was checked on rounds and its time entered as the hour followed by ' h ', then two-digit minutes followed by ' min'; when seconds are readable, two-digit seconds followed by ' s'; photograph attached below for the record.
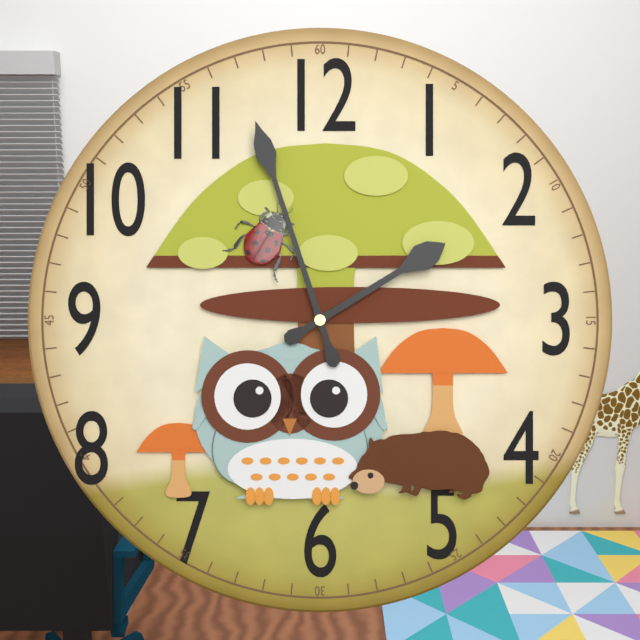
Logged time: 1 h 57 min
